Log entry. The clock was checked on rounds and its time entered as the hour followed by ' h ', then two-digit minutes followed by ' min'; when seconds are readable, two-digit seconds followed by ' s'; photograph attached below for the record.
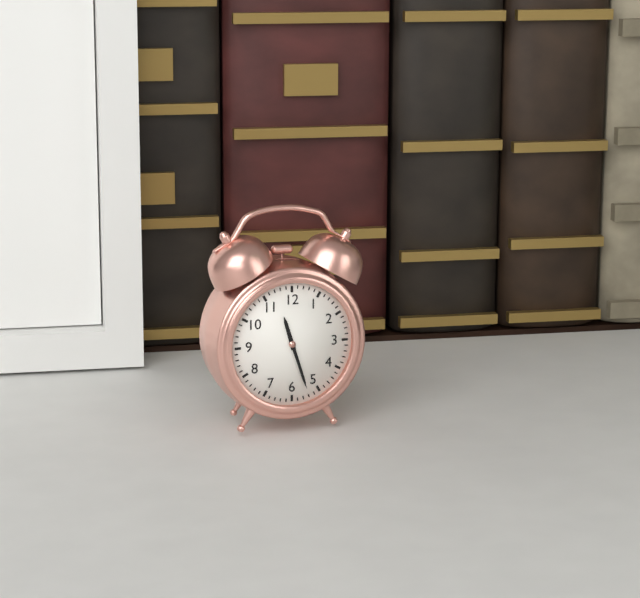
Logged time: 11 h 27 min
